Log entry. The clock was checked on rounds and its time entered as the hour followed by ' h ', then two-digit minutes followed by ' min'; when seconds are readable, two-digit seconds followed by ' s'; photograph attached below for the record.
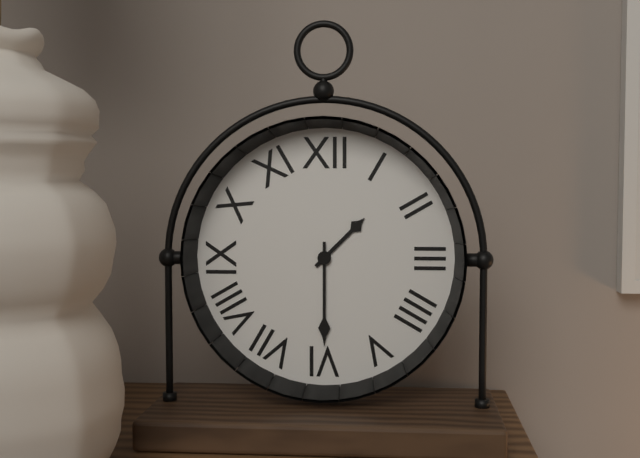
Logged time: 1 h 30 min
